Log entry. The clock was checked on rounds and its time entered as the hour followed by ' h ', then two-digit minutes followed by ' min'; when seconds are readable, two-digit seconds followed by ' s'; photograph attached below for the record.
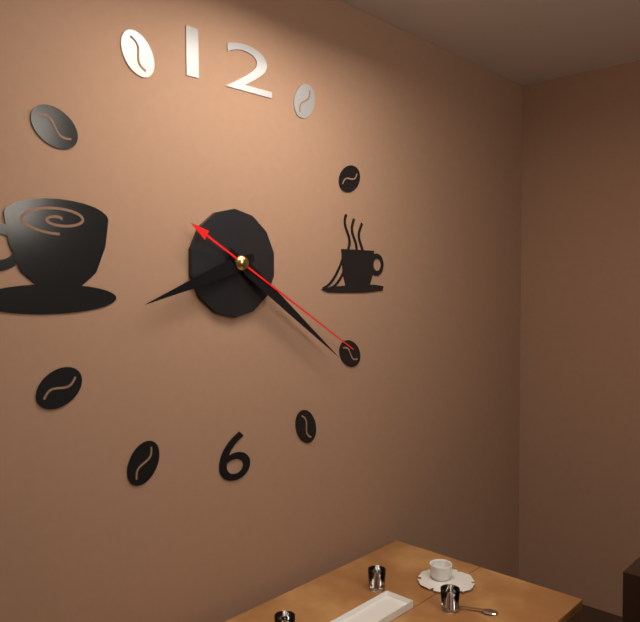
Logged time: 8 h 21 min 20 s
